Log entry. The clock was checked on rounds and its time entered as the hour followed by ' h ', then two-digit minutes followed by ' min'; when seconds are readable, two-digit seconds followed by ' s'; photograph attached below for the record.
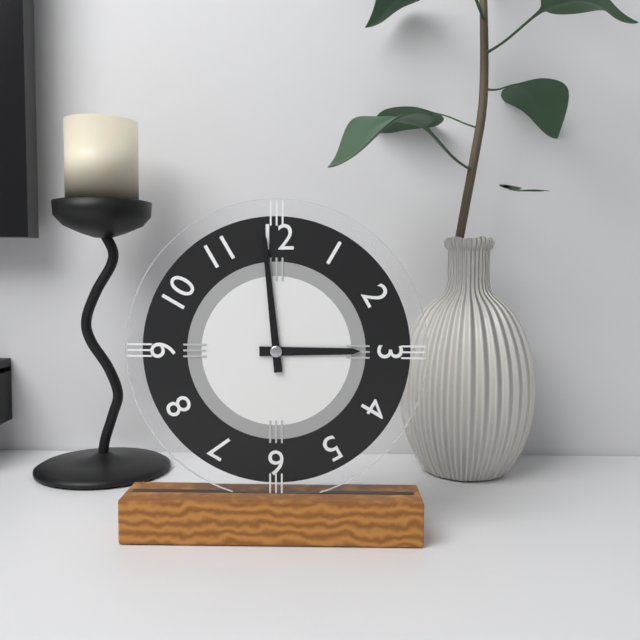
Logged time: 2 h 59 min
